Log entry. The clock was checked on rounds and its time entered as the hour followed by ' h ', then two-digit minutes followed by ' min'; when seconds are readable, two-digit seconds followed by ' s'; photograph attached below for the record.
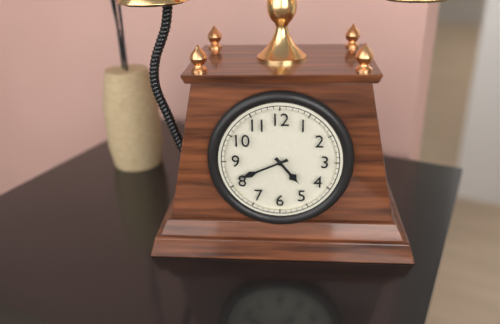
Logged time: 4 h 41 min
